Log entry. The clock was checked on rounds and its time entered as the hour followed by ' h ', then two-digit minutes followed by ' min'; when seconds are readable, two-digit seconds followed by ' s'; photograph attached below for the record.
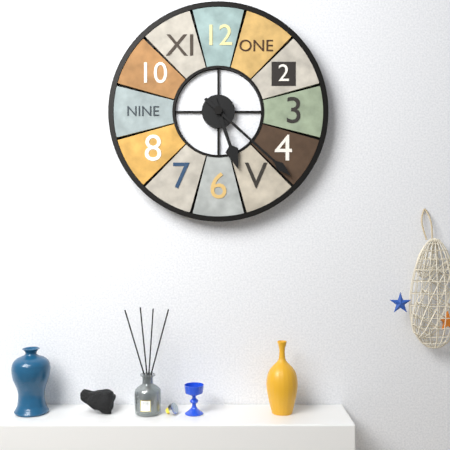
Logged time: 5 h 22 min
